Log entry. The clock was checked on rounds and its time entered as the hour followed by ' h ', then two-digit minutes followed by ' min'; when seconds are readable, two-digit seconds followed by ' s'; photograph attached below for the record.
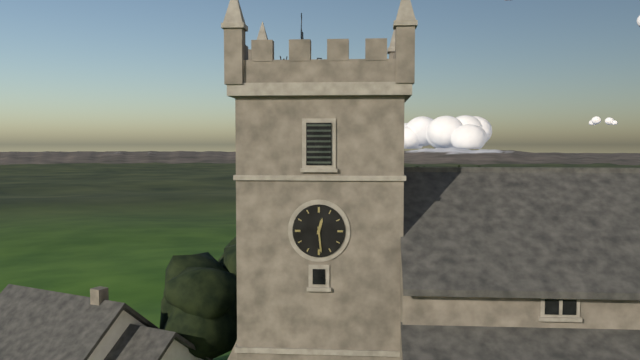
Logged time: 12 h 29 min
